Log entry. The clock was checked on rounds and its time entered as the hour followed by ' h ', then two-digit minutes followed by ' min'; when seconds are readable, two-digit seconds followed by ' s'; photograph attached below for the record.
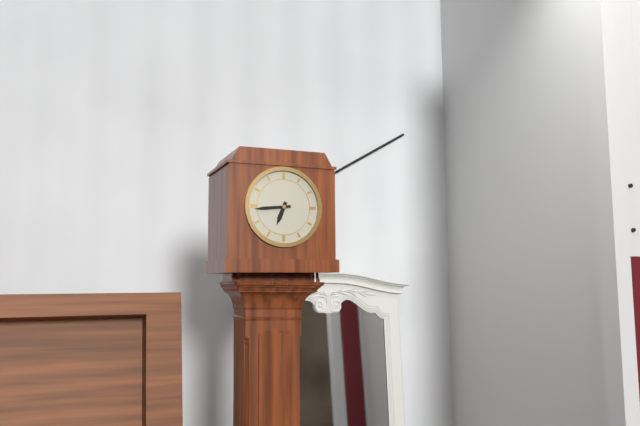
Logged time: 6 h 44 min
